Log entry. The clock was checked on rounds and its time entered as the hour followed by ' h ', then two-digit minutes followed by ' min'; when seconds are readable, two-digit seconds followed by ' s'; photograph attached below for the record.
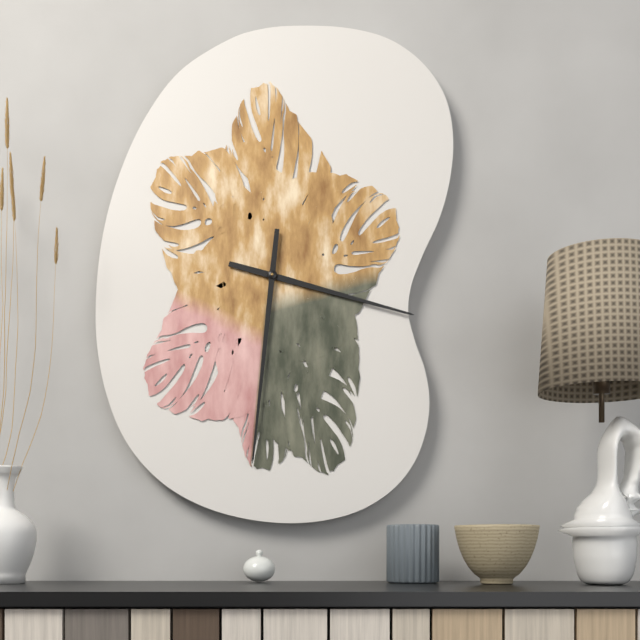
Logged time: 3 h 31 min
